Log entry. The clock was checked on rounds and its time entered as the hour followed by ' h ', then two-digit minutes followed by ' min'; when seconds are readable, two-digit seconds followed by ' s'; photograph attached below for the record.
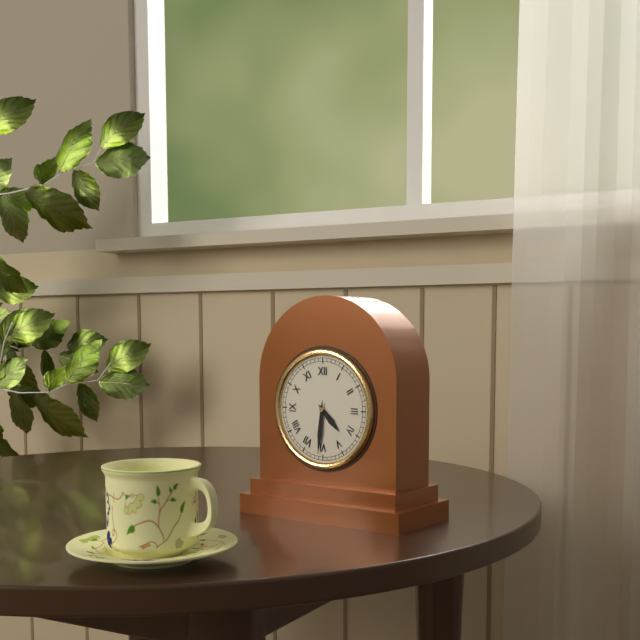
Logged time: 4 h 31 min
